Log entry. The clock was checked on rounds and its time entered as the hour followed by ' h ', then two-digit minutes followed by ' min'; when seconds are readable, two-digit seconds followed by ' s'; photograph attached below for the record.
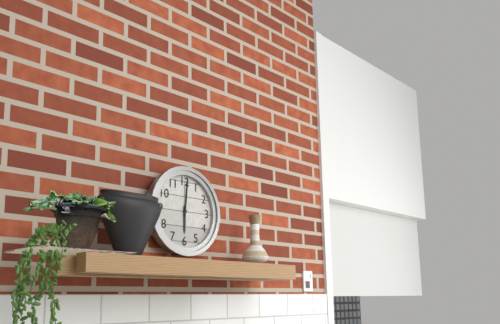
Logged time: 6 h 01 min
